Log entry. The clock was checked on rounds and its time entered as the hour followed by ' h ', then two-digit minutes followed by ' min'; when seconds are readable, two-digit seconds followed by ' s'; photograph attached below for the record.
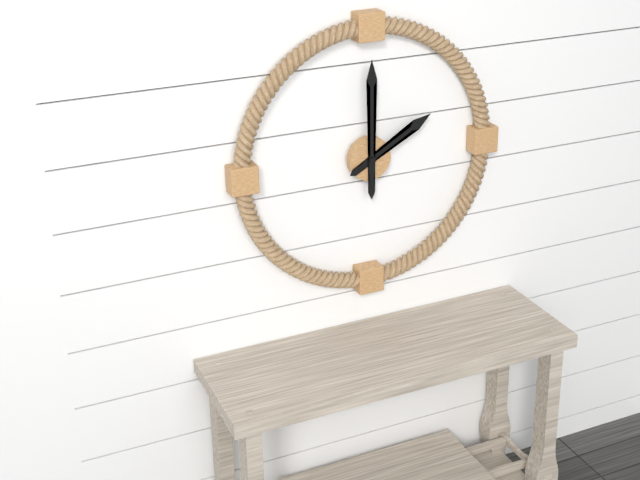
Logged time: 2 h 00 min
